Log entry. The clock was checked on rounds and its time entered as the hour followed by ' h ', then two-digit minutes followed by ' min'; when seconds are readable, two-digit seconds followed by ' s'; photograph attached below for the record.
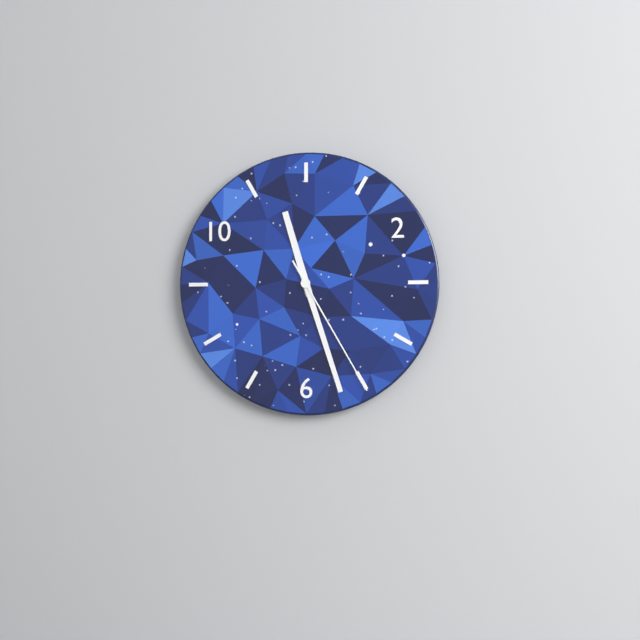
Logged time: 11 h 27 min 25 s
